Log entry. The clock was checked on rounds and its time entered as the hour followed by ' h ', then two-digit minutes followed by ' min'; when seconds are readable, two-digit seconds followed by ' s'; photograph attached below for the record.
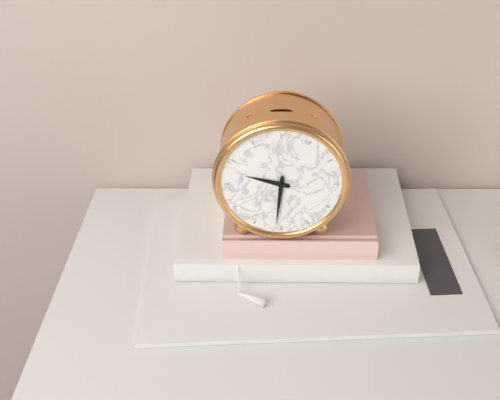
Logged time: 9 h 31 min
